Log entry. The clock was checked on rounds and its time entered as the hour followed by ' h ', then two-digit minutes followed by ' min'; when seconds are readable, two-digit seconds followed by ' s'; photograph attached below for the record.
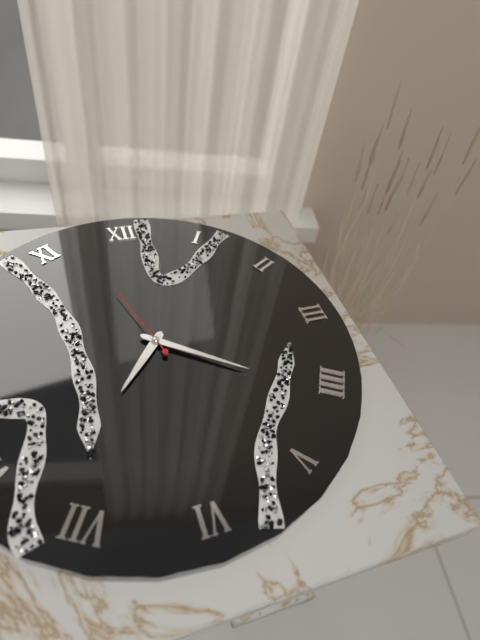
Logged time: 7 h 21 min 57 s
